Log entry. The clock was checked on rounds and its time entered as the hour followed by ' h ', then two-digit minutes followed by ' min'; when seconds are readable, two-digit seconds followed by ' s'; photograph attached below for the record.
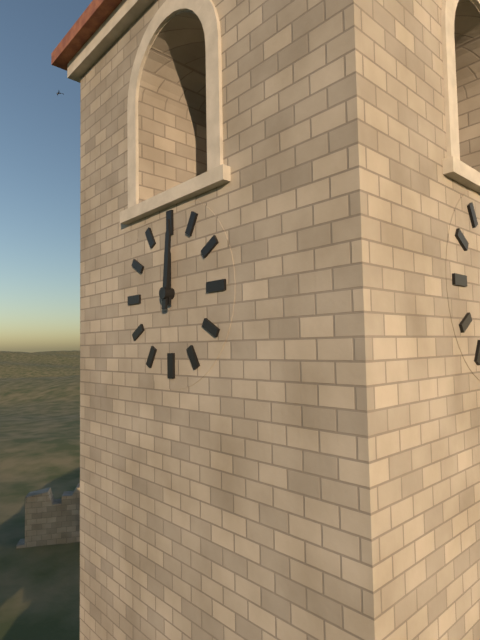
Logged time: 12 h 01 min
